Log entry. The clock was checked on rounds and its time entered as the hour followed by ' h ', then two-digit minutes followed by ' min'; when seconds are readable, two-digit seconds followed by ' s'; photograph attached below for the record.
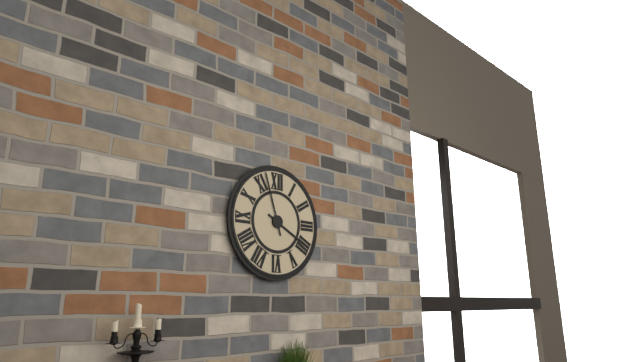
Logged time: 3 h 57 min
